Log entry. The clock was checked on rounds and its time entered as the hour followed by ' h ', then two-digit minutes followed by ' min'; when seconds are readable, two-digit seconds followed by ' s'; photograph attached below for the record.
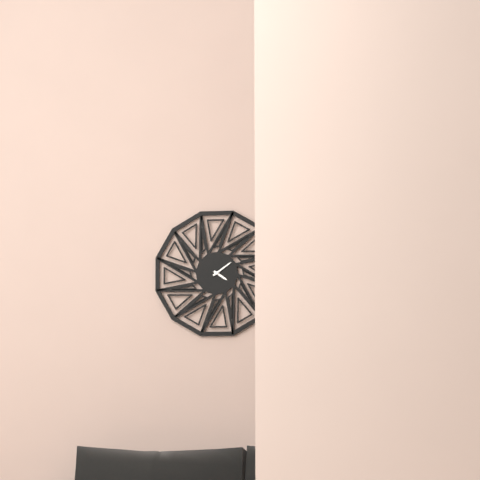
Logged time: 4 h 09 min
